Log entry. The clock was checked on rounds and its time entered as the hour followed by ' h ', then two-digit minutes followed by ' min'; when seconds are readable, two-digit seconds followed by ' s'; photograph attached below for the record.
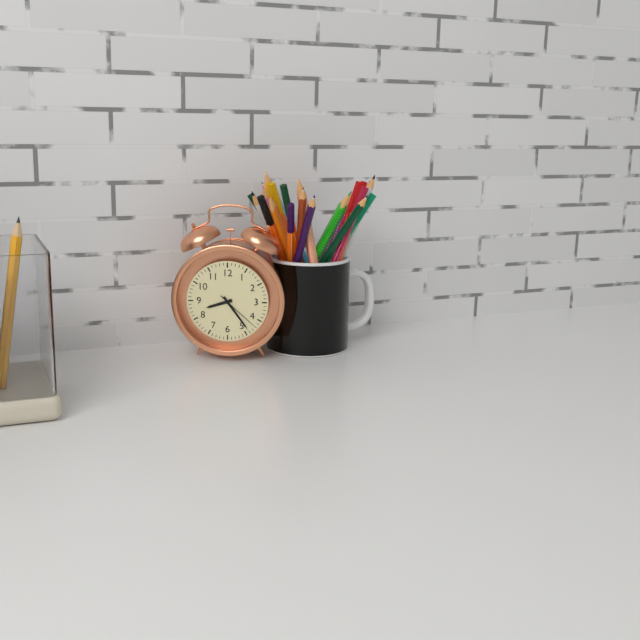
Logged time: 8 h 24 min
